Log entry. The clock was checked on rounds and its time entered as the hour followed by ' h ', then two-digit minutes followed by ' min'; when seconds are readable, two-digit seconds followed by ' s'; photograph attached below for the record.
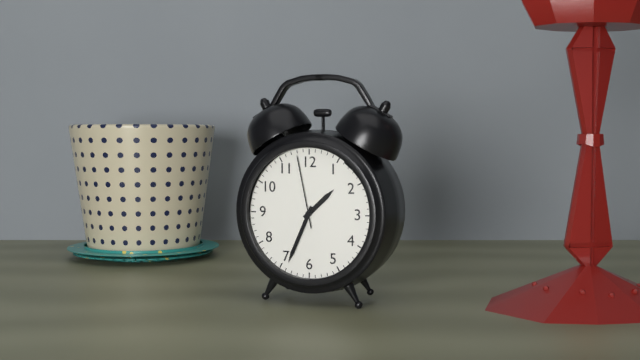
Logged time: 1 h 34 min 58 s
